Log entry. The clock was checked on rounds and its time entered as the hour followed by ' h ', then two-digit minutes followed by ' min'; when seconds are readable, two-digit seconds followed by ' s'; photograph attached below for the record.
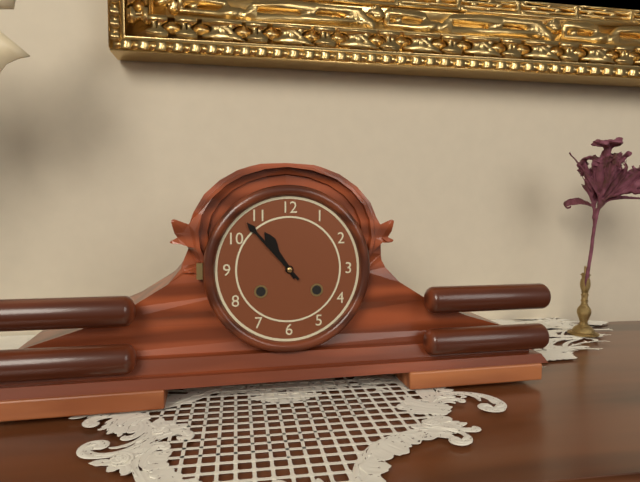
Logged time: 10 h 53 min
